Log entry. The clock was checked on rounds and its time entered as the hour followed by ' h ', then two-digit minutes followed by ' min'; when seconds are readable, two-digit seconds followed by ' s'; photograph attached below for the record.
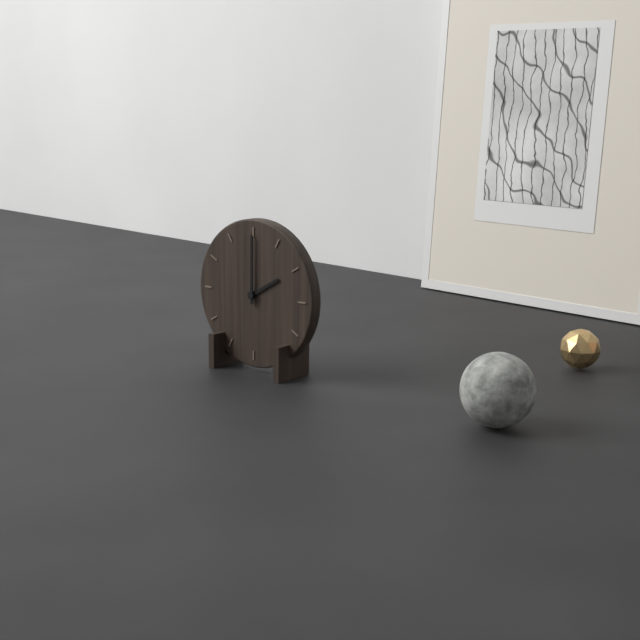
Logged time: 2 h 00 min
